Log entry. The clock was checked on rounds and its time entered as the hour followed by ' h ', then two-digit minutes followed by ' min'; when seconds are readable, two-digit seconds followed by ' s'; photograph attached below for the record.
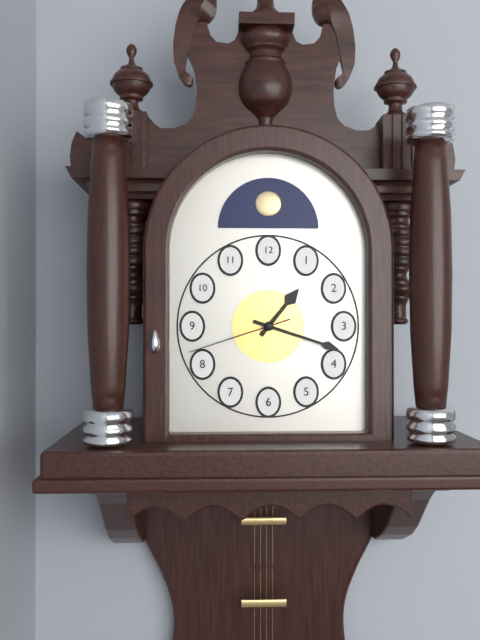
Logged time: 1 h 18 min 42 s
